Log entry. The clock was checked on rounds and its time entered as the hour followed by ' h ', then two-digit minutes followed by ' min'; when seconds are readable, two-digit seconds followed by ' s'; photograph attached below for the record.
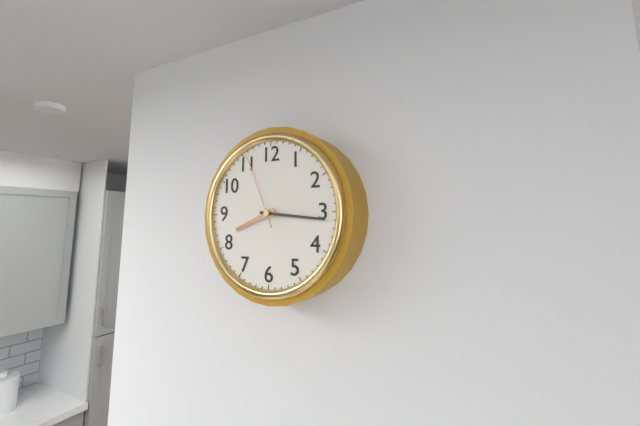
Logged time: 8 h 16 min 56 s
